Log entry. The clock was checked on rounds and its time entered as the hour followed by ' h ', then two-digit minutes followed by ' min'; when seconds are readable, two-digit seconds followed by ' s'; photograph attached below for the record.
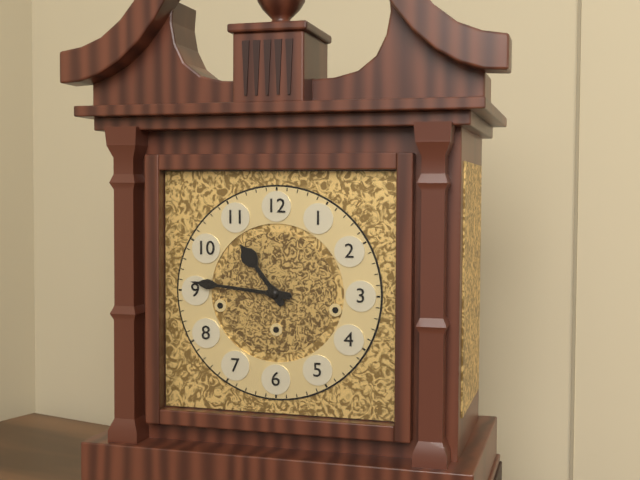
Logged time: 10 h 46 min
